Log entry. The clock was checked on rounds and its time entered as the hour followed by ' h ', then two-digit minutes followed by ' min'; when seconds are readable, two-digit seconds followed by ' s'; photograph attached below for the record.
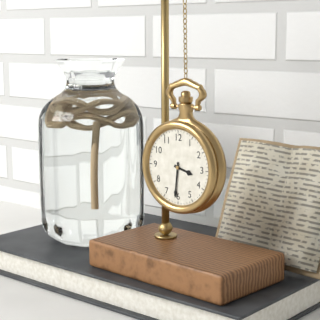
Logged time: 3 h 31 min
